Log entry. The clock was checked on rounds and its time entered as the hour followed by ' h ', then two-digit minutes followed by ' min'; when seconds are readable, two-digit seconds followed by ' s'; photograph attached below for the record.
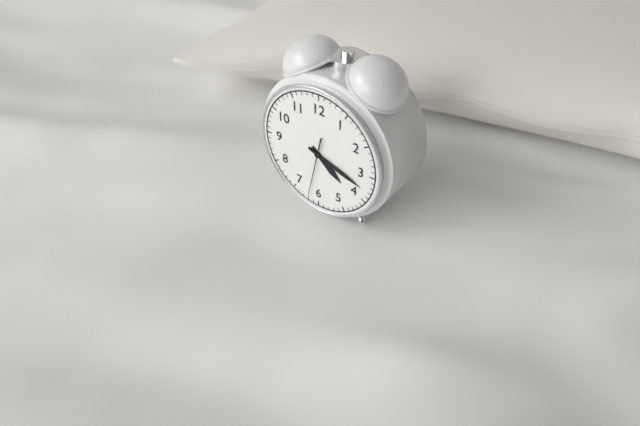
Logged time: 4 h 18 min 32 s
